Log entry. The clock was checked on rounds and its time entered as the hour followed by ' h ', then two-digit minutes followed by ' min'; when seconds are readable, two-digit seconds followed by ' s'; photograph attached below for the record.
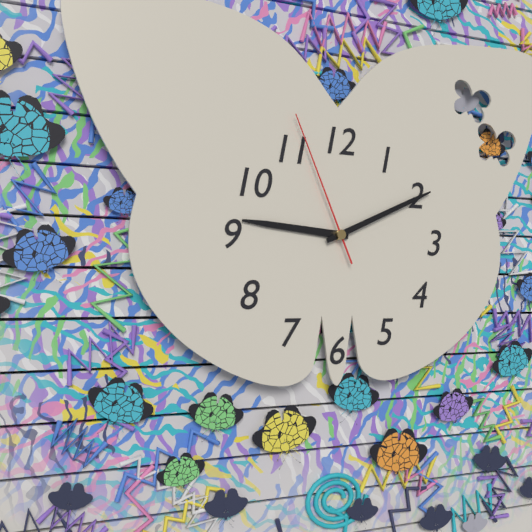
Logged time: 9 h 11 min 56 s
